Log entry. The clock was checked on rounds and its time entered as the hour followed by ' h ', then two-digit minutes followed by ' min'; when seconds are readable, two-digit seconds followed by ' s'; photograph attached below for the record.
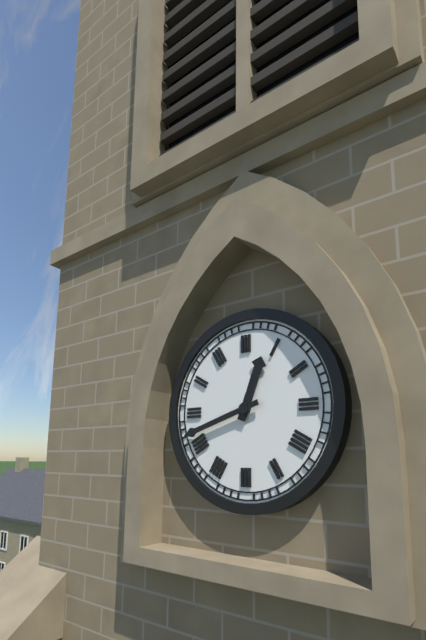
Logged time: 12 h 42 min
